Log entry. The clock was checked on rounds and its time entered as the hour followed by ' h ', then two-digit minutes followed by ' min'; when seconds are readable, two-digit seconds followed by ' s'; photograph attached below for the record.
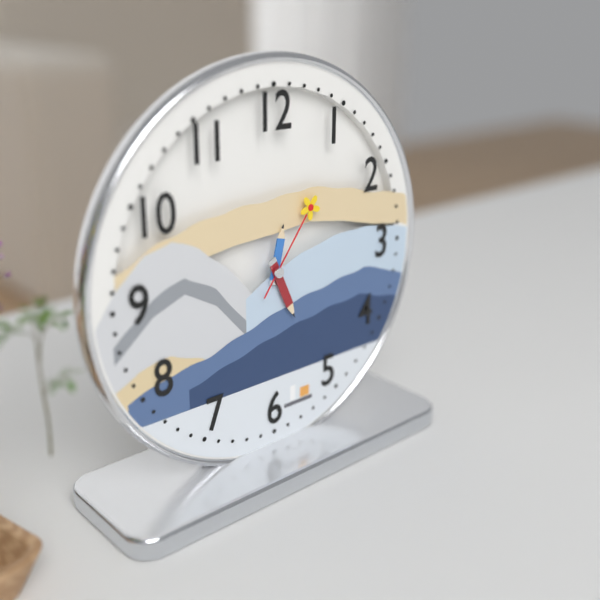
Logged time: 12 h 26 min 06 s
